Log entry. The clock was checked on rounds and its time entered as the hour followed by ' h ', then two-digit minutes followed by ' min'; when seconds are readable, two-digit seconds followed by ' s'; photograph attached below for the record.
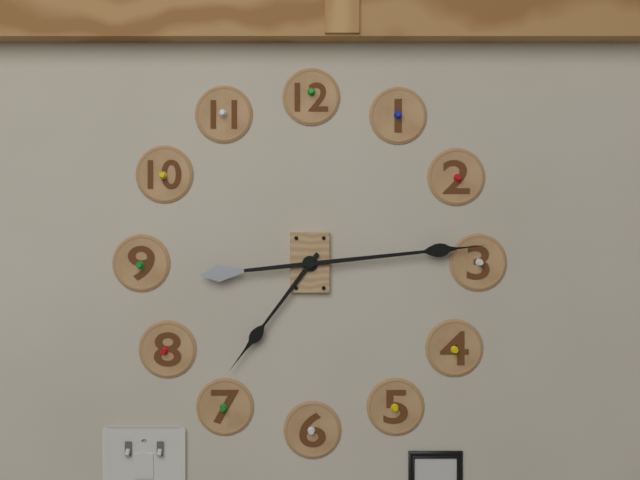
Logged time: 7 h 14 min
